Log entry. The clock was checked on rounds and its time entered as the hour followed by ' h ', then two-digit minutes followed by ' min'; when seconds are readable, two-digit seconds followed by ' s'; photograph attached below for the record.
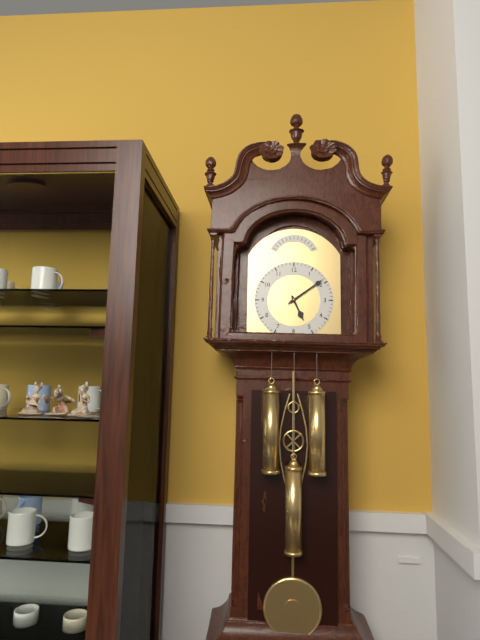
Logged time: 5 h 09 min
